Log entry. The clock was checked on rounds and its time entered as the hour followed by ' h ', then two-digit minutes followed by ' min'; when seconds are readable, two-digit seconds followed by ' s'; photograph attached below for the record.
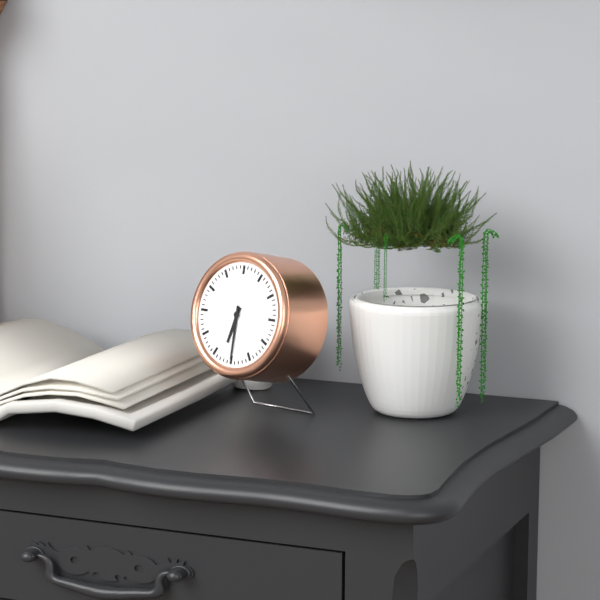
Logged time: 6 h 30 min
